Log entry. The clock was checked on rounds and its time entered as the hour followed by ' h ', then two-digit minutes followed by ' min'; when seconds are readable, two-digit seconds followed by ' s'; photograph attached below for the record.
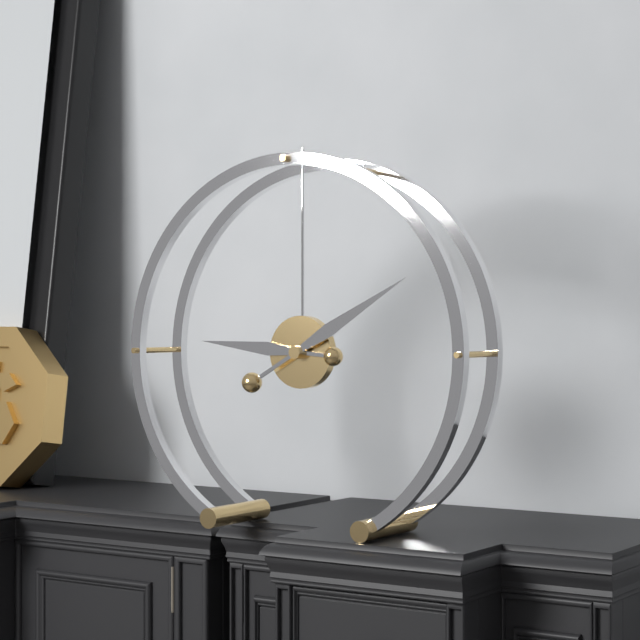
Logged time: 9 h 10 min
